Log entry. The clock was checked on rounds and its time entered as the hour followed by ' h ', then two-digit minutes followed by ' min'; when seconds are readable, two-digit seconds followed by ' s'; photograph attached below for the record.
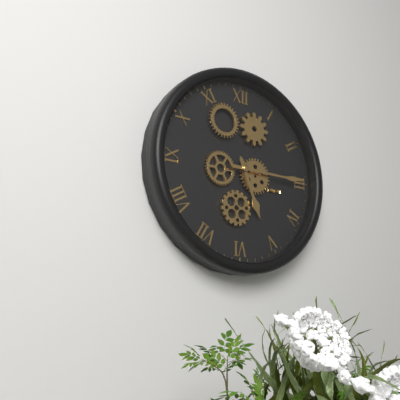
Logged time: 5 h 15 min
